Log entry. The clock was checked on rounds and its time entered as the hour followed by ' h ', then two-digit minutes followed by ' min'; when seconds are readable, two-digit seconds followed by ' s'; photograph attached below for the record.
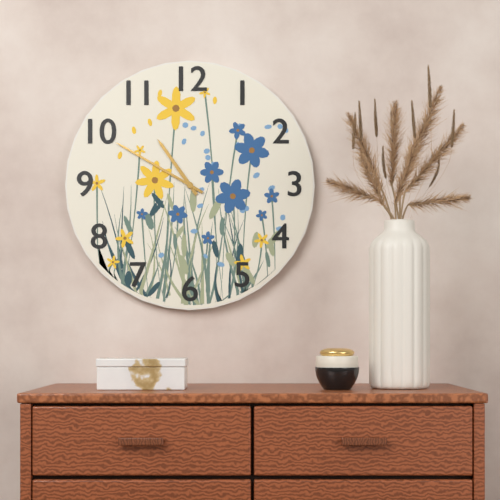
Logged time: 10 h 50 min
